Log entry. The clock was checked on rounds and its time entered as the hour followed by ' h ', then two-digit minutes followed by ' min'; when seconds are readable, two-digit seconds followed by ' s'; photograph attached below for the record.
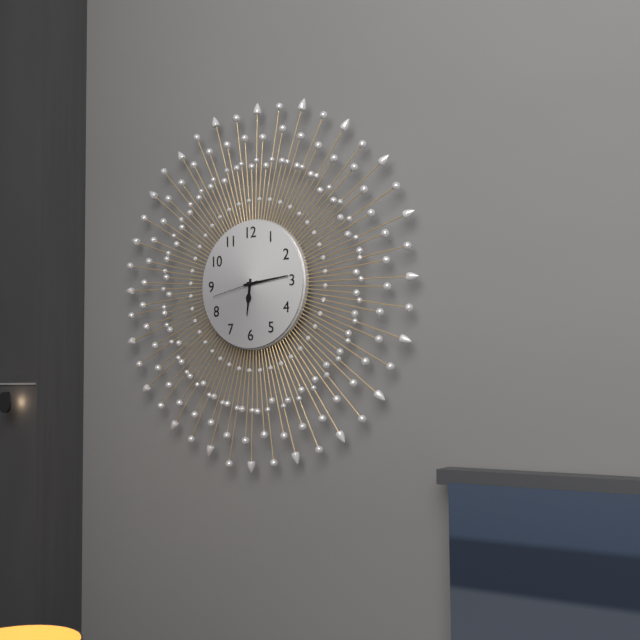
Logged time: 6 h 14 min
